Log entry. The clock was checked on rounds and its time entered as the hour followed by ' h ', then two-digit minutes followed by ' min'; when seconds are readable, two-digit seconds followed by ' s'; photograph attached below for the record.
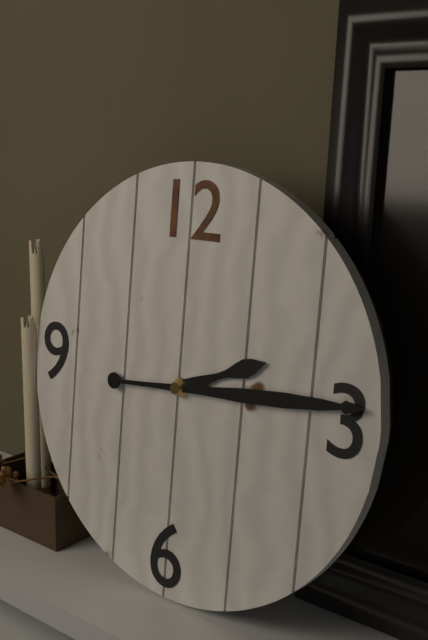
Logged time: 2 h 14 min
